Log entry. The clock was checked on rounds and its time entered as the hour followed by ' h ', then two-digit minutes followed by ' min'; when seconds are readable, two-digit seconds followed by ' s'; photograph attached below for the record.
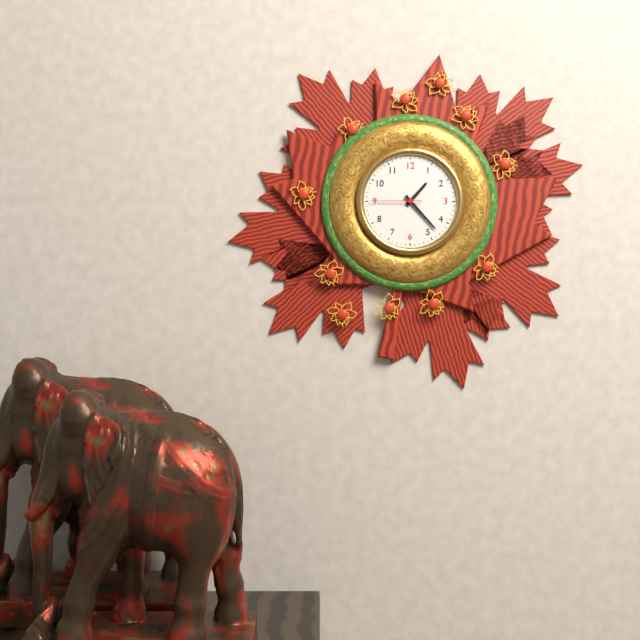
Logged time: 1 h 23 min 45 s
